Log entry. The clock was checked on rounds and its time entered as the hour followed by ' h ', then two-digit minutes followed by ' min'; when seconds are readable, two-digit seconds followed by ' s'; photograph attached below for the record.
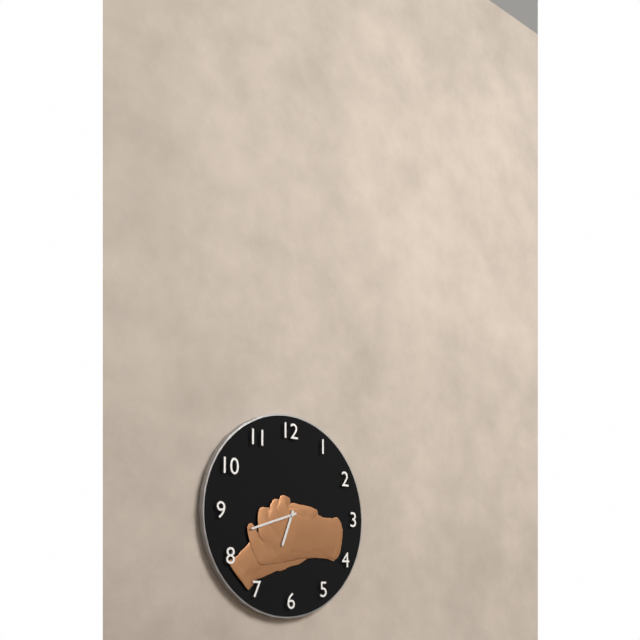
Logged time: 6 h 42 min
